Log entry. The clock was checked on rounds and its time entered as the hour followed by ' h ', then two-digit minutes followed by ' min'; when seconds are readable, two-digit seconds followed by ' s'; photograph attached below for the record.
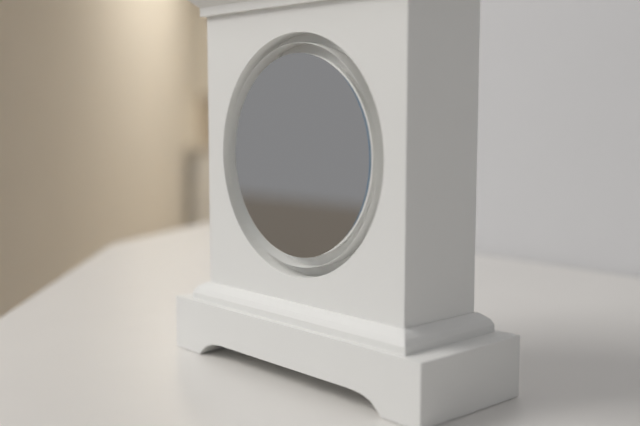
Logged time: 12 h 45 min
